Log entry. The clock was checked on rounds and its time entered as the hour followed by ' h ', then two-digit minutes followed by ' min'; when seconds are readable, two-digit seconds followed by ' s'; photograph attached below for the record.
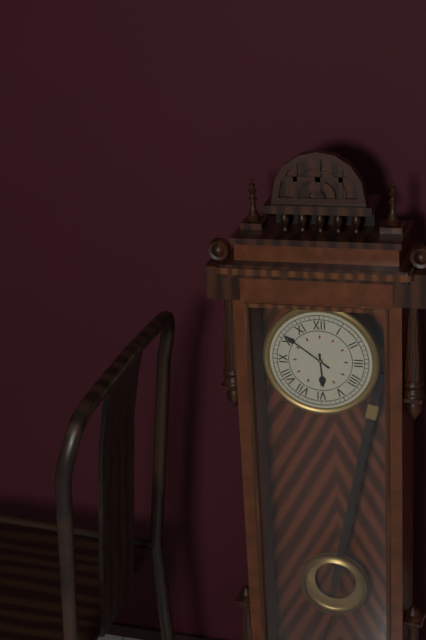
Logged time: 5 h 51 min
